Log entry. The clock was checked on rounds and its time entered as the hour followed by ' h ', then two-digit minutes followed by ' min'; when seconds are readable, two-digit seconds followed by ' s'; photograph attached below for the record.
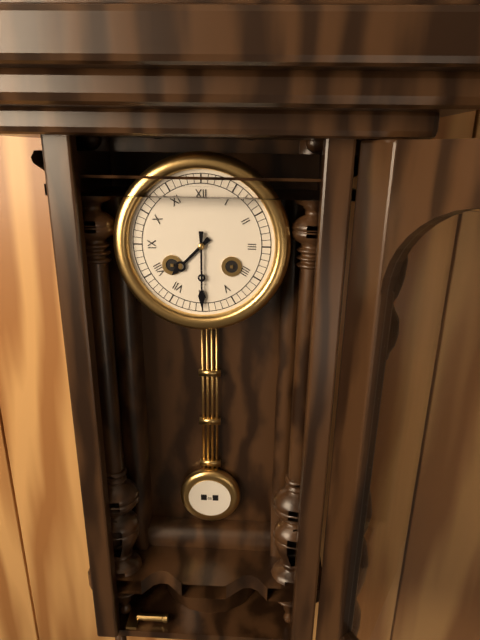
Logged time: 7 h 30 min
